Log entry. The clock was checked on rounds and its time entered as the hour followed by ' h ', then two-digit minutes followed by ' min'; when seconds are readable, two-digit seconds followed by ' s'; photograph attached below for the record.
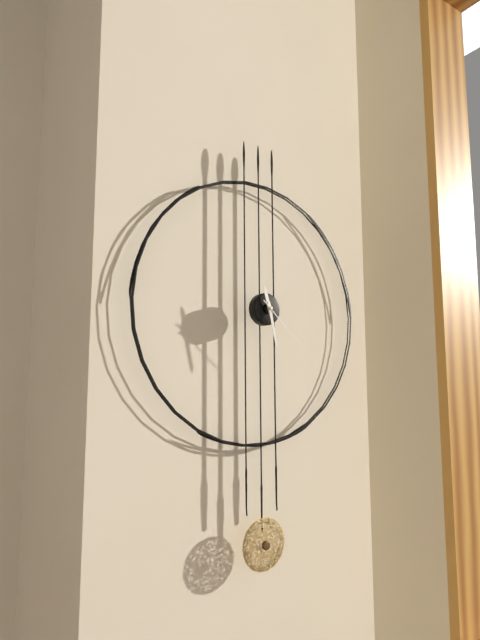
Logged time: 11 h 28 min 22 s
